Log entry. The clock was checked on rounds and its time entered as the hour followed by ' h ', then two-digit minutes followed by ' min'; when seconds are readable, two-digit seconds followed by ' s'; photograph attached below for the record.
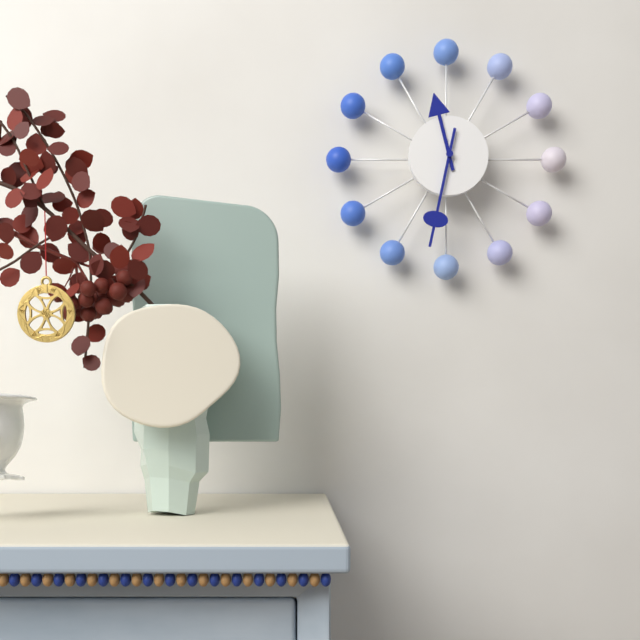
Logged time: 11 h 32 min
